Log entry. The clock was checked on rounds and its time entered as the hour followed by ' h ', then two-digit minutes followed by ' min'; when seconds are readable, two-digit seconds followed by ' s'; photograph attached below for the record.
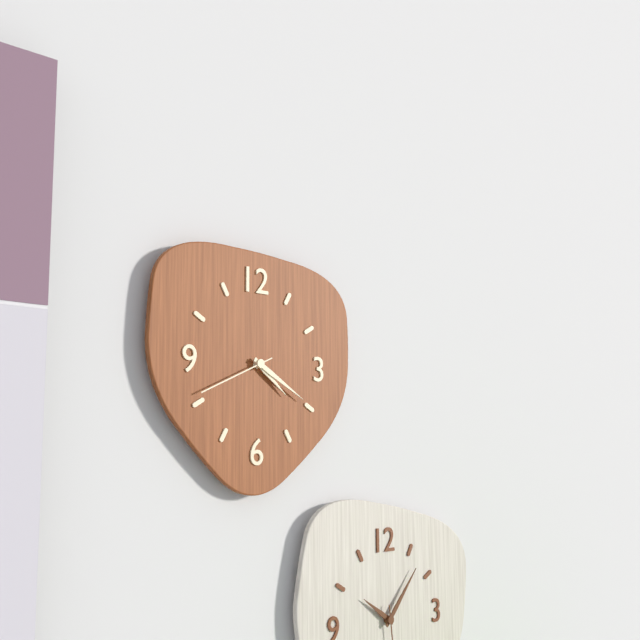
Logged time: 4 h 20 min 41 s
